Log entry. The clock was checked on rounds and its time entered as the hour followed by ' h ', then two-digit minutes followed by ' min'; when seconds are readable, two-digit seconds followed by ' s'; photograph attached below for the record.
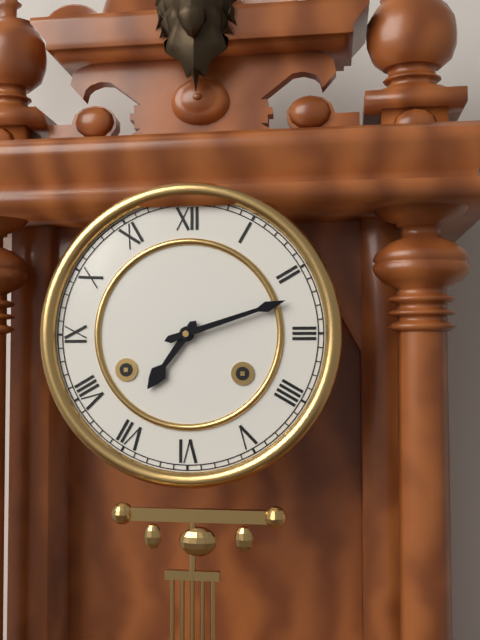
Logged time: 7 h 12 min
